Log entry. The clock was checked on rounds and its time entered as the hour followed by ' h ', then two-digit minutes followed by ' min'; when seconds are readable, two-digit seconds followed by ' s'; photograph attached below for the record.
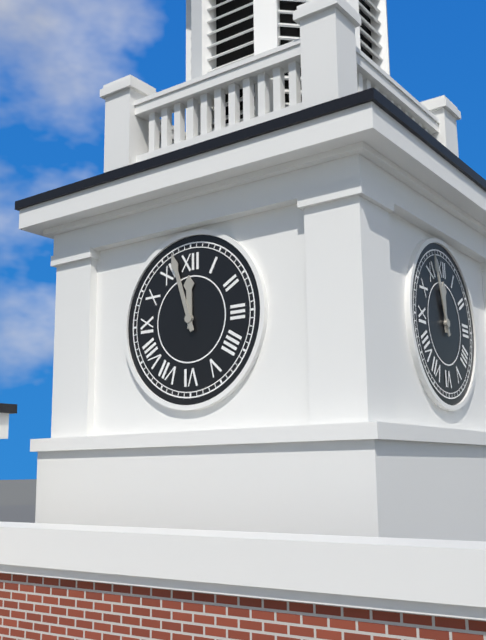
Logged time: 11 h 57 min
